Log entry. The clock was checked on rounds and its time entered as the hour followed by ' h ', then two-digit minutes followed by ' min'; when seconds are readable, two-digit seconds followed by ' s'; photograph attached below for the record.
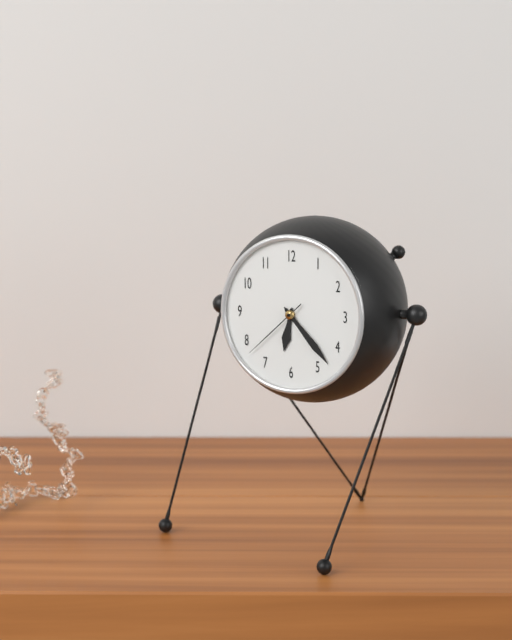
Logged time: 6 h 23 min 38 s
